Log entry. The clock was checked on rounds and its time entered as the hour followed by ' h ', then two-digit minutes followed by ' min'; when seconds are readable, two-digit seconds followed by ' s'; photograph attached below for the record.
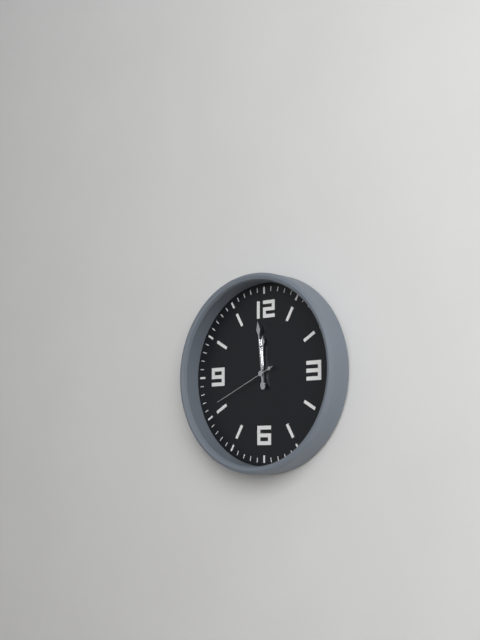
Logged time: 11 h 59 min 41 s
